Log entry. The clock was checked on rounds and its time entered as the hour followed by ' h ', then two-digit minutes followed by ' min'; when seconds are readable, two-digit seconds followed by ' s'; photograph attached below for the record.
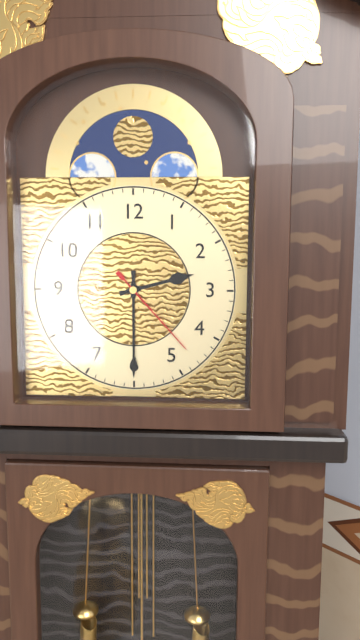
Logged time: 2 h 30 min 23 s
